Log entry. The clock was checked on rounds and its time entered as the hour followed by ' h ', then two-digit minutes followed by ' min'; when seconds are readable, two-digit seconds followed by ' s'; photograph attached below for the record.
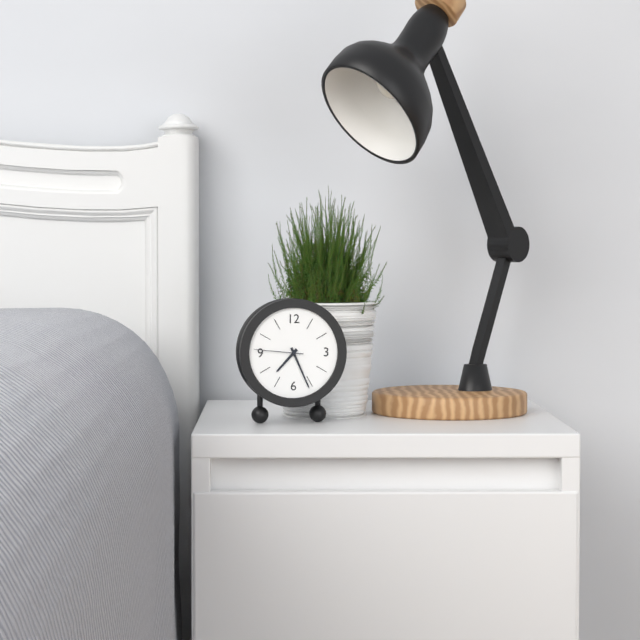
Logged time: 7 h 26 min 46 s
